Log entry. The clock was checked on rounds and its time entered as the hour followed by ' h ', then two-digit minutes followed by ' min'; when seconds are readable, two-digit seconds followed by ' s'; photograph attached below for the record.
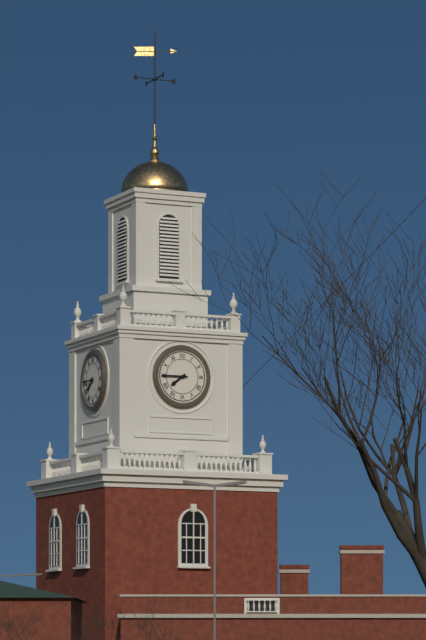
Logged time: 7 h 45 min
